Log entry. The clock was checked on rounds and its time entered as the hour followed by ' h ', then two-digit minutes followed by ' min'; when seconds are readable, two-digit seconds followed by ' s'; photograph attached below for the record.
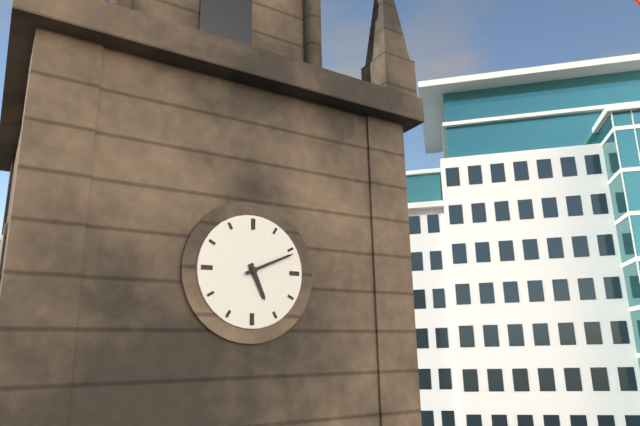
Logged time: 5 h 11 min
